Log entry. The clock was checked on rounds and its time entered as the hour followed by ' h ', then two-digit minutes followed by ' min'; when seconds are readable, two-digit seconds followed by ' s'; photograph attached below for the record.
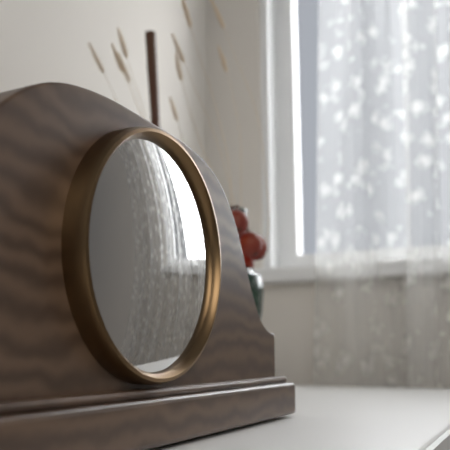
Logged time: 4 h 11 min
